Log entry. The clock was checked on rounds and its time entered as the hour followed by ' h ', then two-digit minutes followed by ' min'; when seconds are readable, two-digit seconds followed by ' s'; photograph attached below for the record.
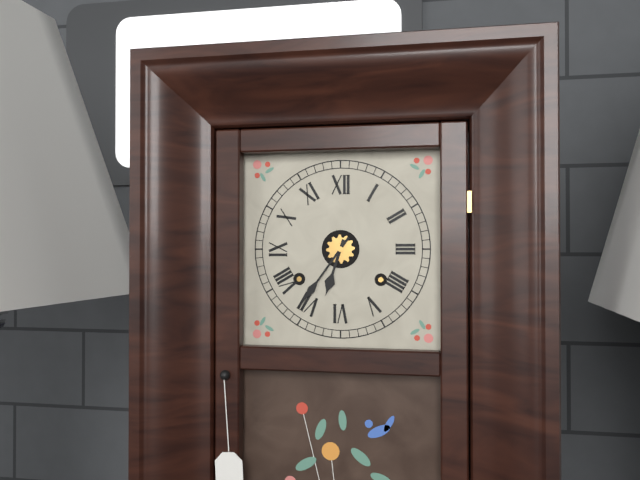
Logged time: 6 h 36 min
